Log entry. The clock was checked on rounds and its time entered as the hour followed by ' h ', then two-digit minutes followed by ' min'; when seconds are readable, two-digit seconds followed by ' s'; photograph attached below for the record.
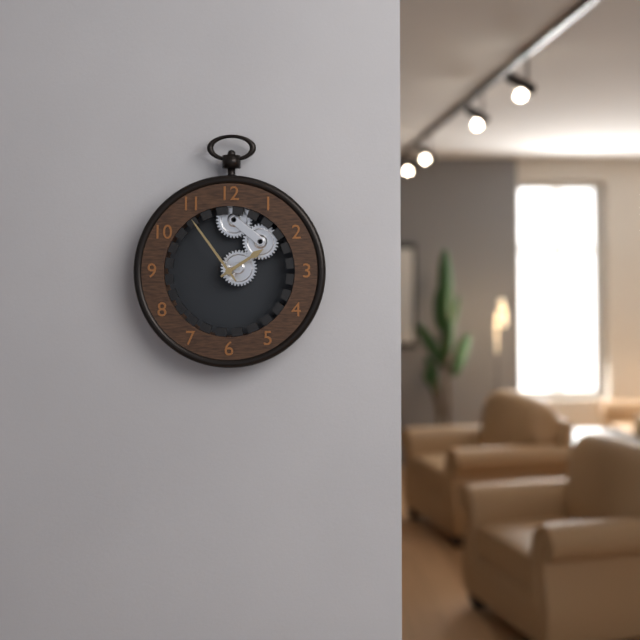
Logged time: 1 h 54 min
